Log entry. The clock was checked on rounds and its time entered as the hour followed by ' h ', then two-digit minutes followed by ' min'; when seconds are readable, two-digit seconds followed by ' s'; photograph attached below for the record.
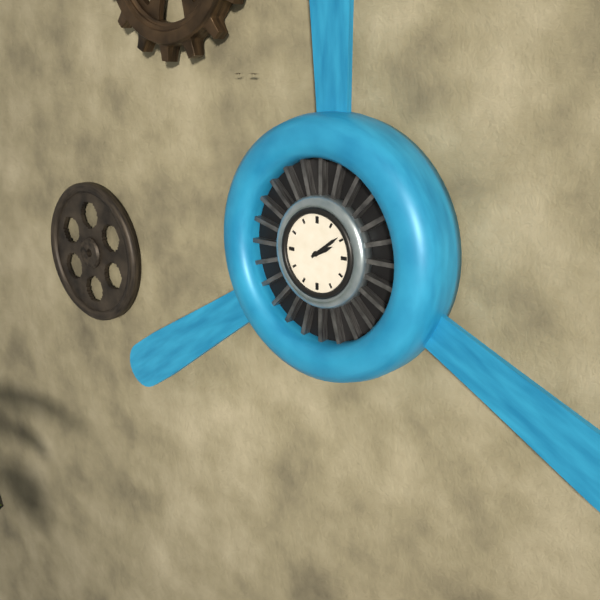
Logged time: 2 h 09 min
